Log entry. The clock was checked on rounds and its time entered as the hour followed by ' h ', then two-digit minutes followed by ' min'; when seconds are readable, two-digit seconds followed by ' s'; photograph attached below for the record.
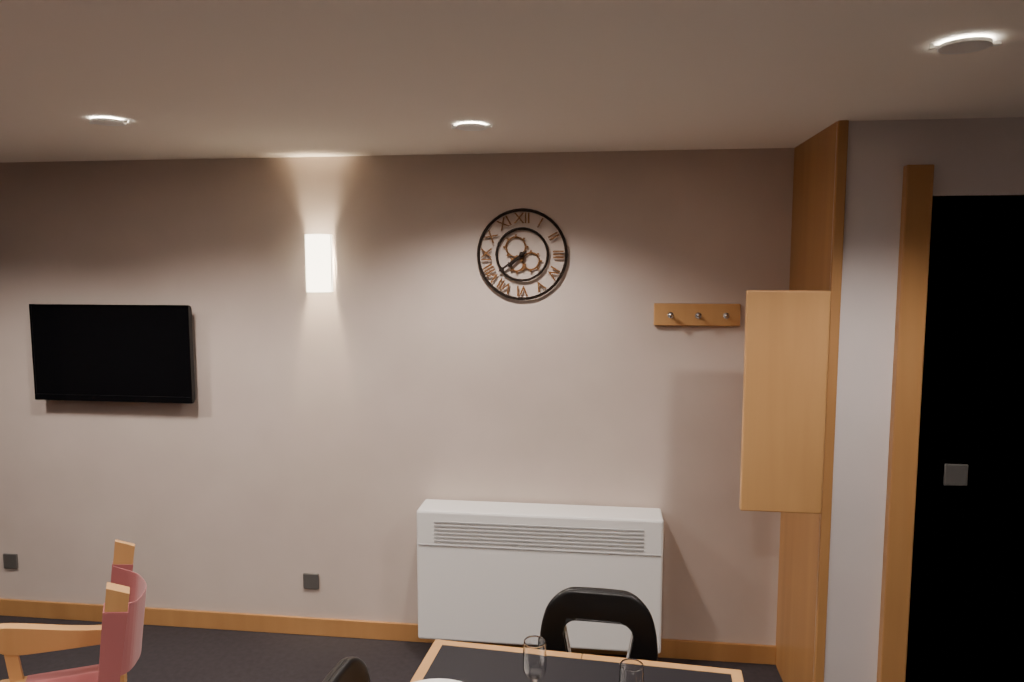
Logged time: 7 h 39 min
